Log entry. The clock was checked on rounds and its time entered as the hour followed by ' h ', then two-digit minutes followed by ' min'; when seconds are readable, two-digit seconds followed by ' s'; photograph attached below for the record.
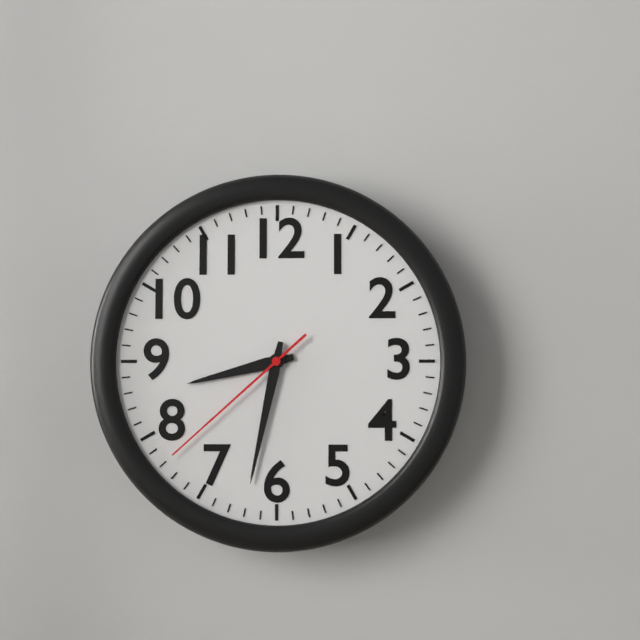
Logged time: 8 h 32 min 38 s
